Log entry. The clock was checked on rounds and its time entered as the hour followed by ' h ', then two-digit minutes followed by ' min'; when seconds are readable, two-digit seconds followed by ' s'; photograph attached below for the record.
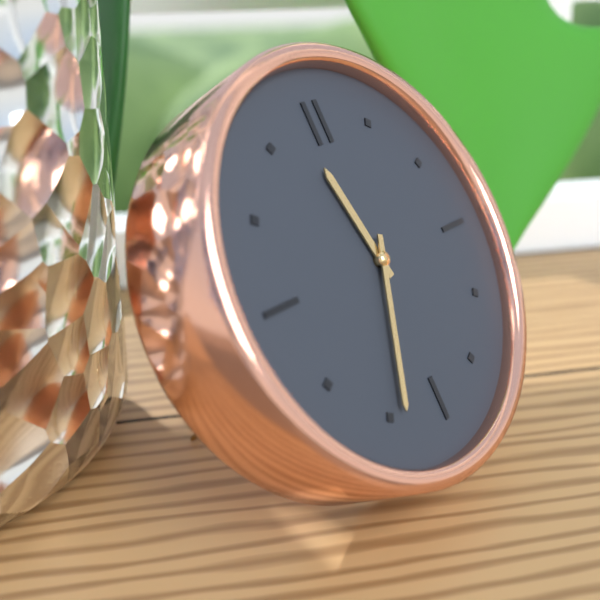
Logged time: 11 h 34 min
